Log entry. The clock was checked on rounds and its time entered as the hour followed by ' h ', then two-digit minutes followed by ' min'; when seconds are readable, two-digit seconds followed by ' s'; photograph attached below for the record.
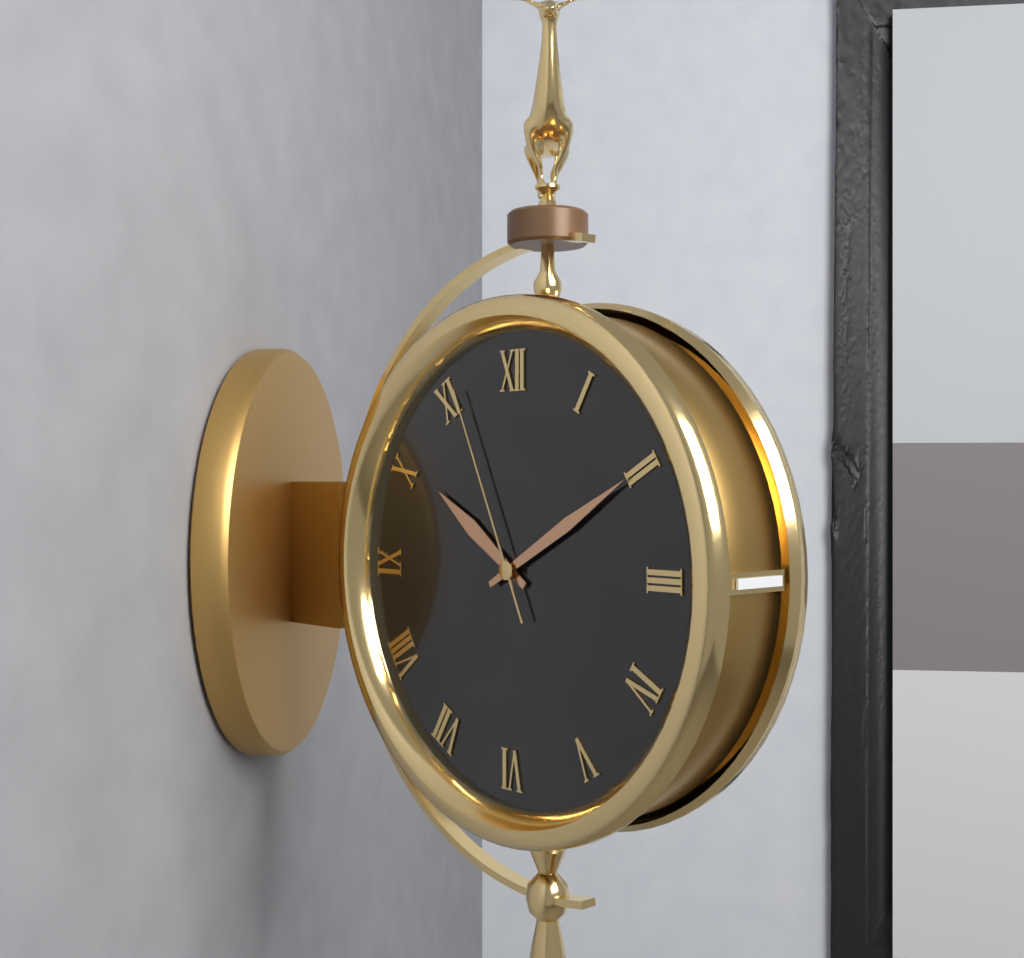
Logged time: 10 h 10 min 56 s
